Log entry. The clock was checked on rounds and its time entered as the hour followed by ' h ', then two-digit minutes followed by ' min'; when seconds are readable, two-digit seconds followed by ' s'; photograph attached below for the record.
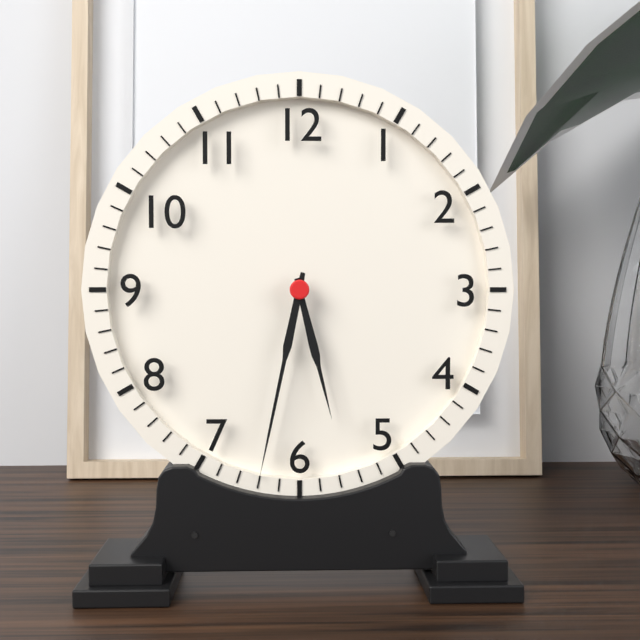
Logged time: 5 h 32 min
